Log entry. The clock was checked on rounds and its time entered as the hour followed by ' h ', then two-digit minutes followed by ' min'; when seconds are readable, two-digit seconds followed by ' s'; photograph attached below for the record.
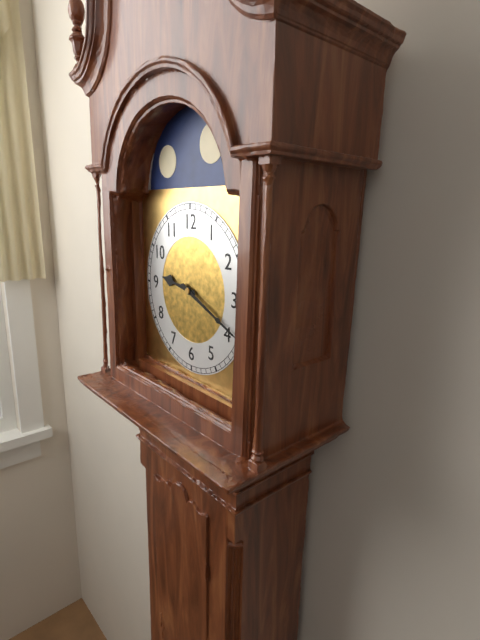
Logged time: 9 h 19 min
